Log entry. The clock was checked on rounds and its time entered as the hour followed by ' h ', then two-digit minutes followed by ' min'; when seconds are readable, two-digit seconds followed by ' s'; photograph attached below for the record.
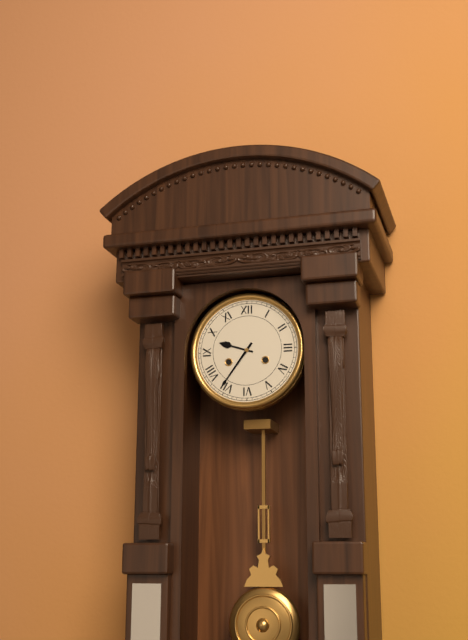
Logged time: 9 h 36 min
